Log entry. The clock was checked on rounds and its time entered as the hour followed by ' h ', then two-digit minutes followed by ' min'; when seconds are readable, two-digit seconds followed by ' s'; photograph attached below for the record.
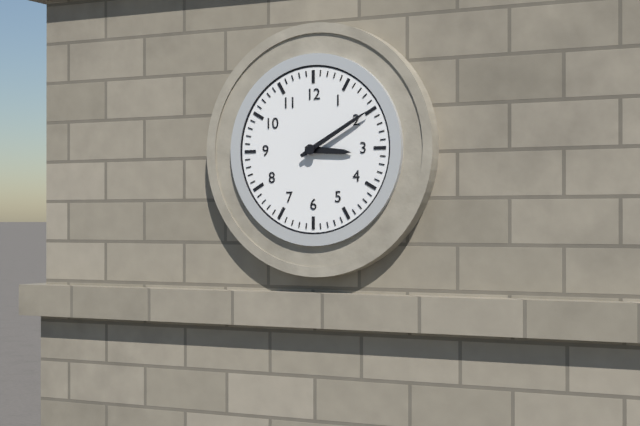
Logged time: 3 h 10 min
